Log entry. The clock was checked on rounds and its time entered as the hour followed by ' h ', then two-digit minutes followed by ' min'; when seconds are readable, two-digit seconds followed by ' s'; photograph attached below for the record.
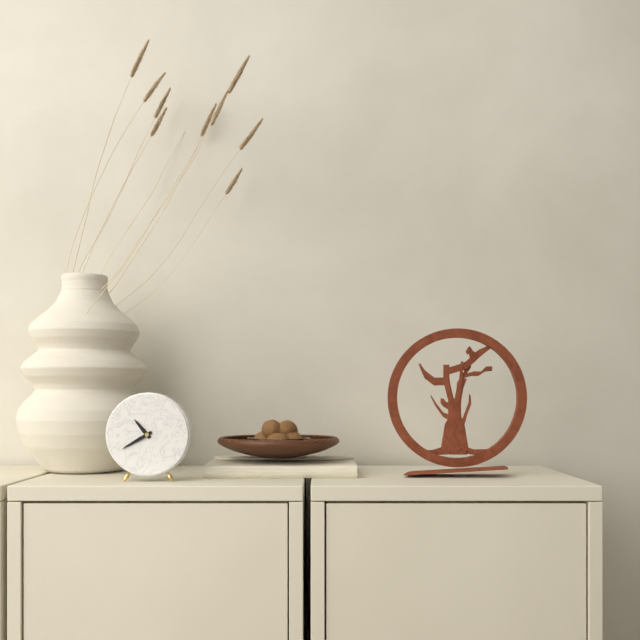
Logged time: 10 h 40 min
